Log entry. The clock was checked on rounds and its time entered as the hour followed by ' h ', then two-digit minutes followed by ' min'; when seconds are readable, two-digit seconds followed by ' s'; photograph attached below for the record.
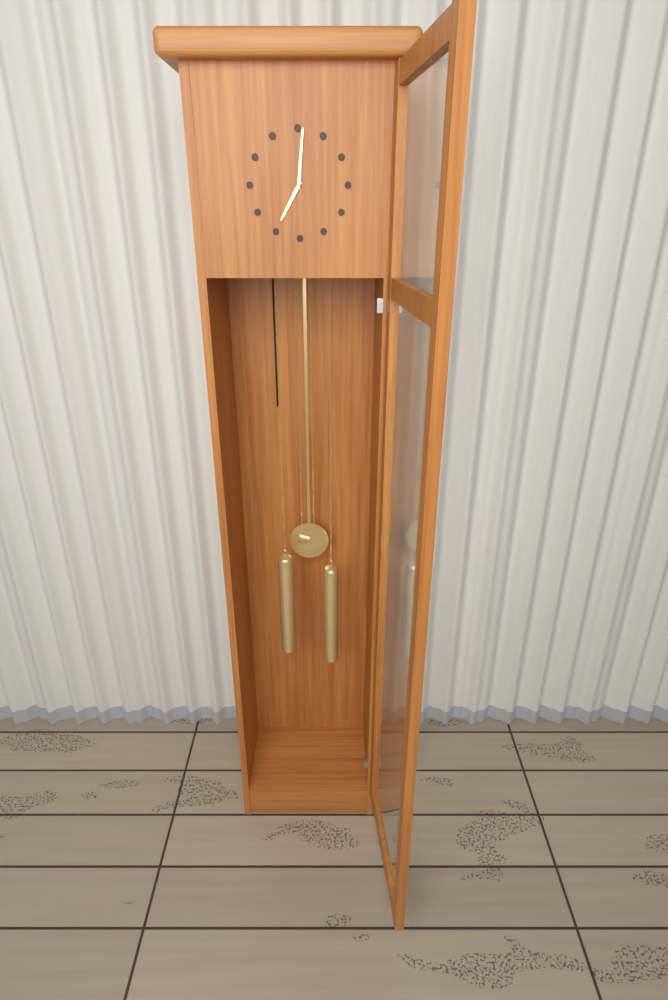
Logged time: 7 h 01 min
